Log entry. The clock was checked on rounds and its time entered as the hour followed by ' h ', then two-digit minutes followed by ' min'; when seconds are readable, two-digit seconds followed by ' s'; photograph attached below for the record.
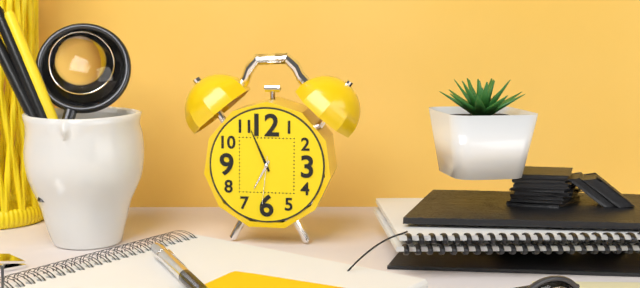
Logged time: 6 h 56 min 31 s
